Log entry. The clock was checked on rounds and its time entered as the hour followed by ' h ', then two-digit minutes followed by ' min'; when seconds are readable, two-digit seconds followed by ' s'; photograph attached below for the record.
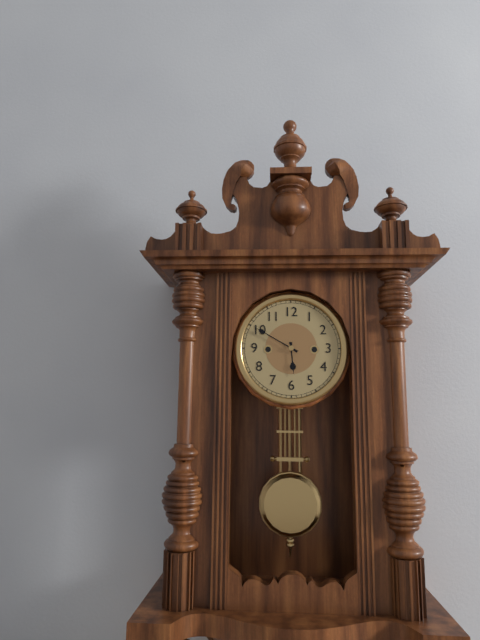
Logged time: 5 h 50 min
